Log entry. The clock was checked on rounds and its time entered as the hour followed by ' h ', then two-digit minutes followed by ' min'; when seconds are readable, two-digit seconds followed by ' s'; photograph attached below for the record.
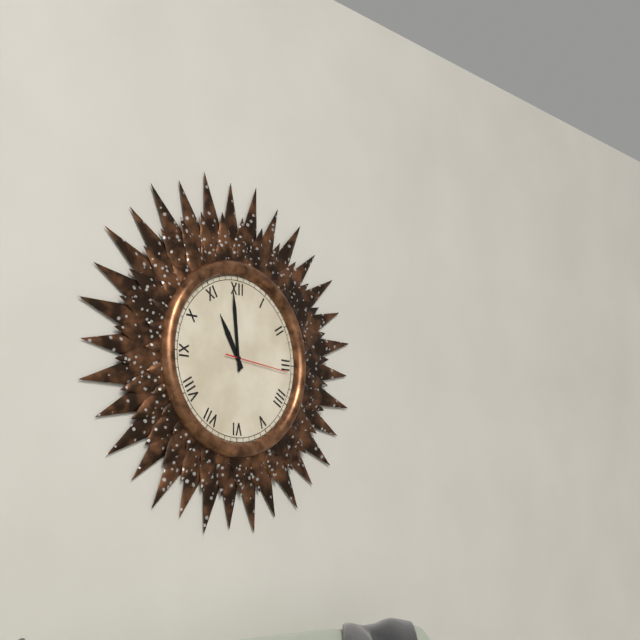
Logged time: 10 h 59 min 16 s
